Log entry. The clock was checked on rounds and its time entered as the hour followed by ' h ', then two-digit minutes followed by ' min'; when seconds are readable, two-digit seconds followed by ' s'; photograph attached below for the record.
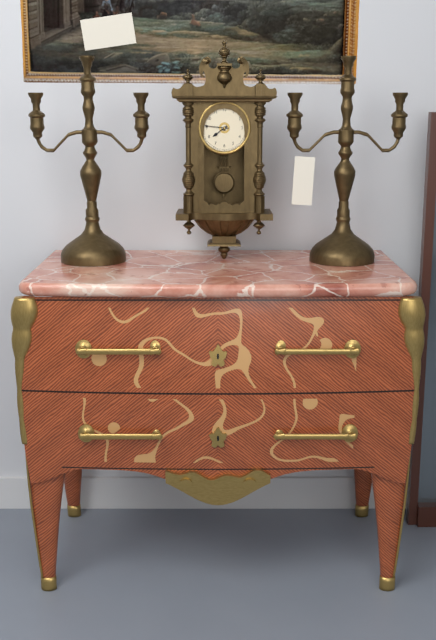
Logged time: 7 h 46 min
